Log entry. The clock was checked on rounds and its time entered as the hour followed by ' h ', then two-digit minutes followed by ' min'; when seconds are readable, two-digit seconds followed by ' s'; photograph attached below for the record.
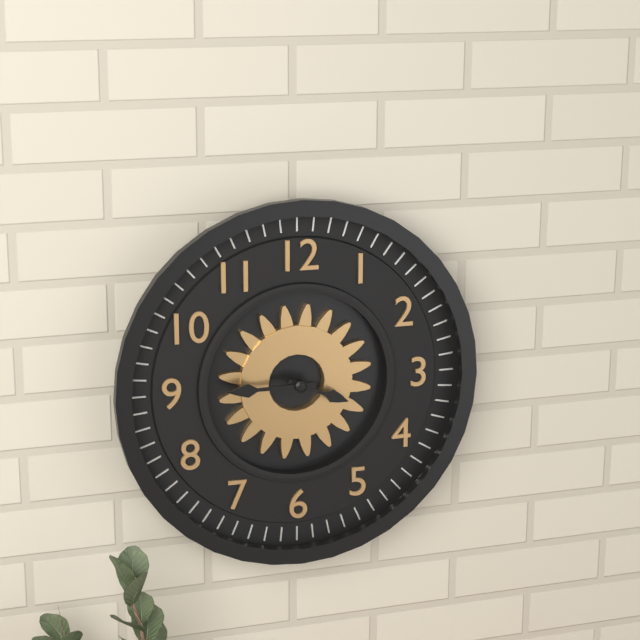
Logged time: 3 h 45 min
